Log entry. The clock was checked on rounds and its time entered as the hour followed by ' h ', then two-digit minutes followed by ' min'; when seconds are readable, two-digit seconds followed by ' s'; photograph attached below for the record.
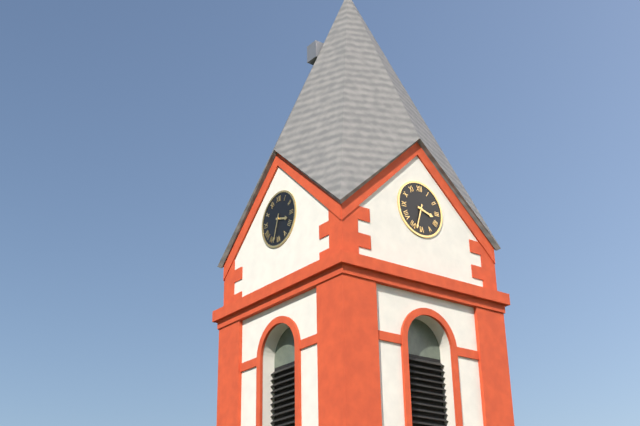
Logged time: 3 h 33 min
